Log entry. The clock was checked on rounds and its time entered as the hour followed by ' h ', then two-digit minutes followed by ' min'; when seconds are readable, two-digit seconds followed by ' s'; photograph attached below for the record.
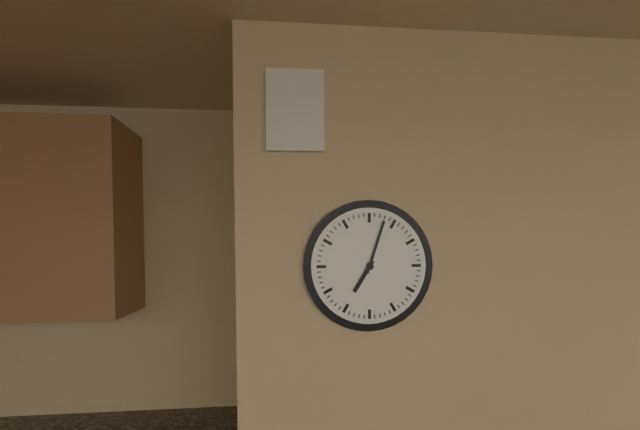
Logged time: 7 h 03 min
